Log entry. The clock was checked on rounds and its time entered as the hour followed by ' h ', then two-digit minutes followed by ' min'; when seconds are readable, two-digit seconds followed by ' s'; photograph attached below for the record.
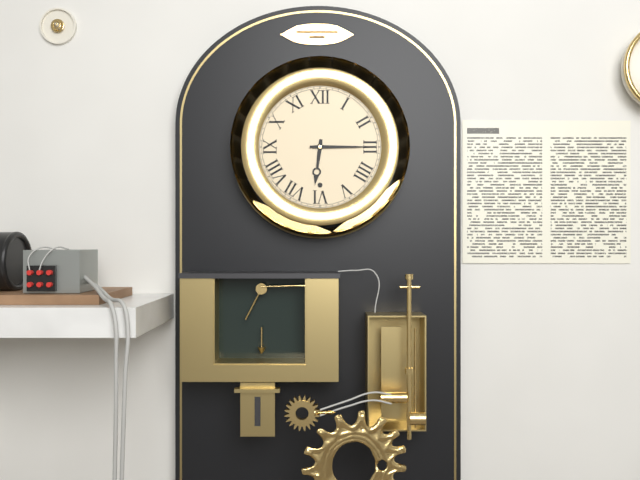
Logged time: 6 h 15 min
